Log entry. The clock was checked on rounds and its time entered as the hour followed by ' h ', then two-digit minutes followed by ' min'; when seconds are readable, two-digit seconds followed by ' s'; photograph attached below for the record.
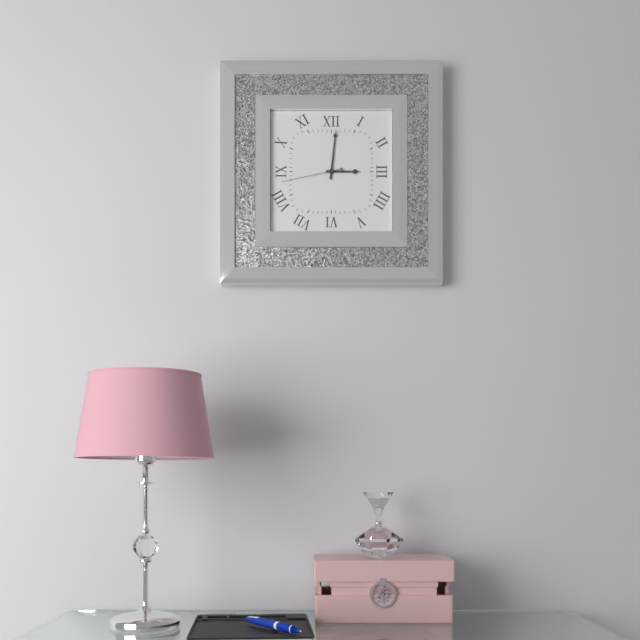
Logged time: 3 h 01 min 43 s
